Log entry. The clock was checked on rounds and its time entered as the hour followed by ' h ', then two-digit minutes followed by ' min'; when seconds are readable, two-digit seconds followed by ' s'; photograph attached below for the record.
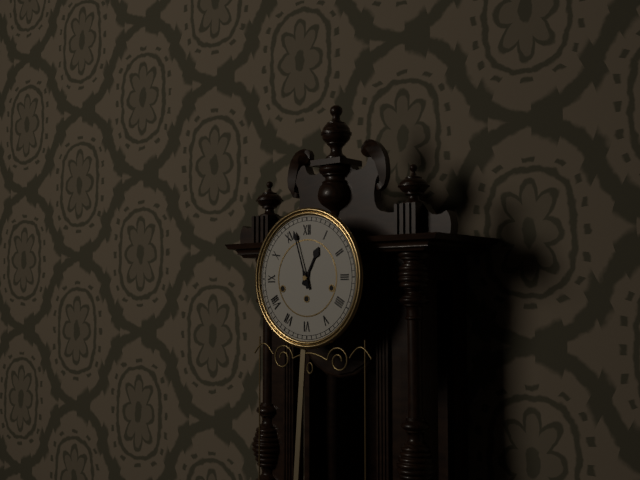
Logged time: 12 h 57 min
